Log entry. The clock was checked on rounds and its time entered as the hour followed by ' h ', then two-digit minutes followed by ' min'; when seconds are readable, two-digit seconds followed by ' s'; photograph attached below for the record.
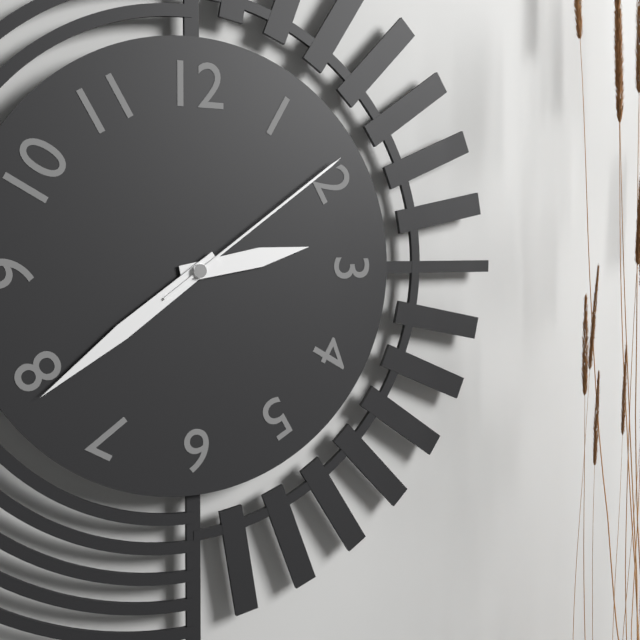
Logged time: 2 h 39 min 09 s
